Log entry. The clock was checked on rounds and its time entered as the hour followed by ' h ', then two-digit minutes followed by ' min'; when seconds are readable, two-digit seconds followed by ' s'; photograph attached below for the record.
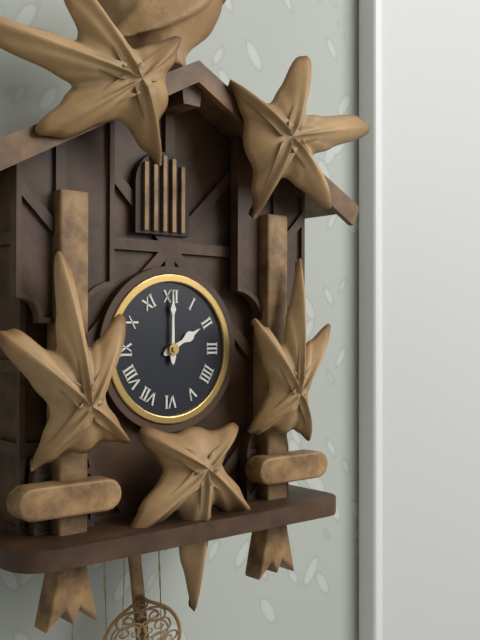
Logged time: 2 h 00 min
